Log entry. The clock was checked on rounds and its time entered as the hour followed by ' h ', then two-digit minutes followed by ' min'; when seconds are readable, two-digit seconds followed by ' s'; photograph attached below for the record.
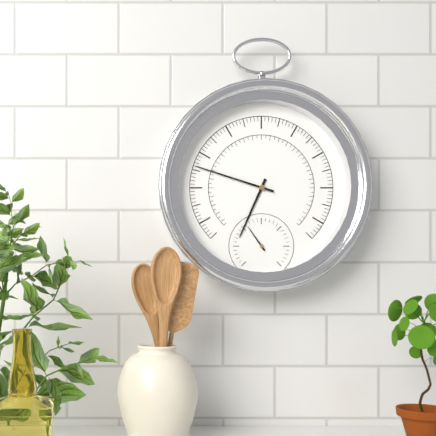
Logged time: 6 h 48 min
